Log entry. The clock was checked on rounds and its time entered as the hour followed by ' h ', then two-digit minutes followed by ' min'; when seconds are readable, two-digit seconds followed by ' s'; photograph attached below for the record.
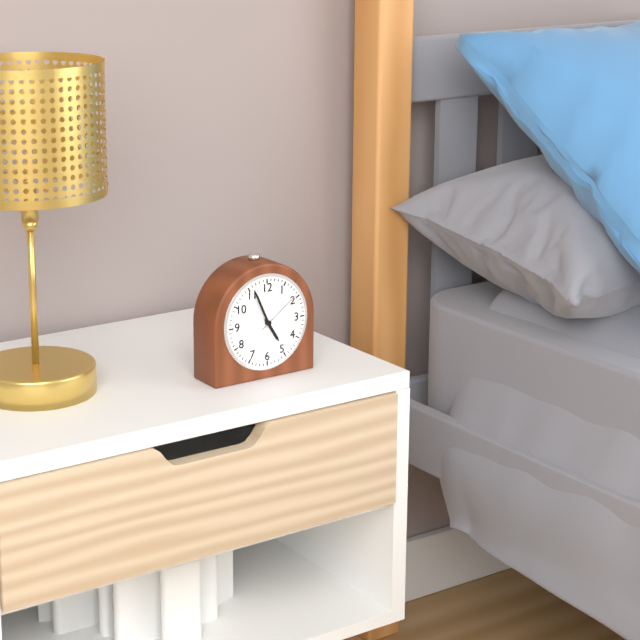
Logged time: 4 h 56 min 09 s
